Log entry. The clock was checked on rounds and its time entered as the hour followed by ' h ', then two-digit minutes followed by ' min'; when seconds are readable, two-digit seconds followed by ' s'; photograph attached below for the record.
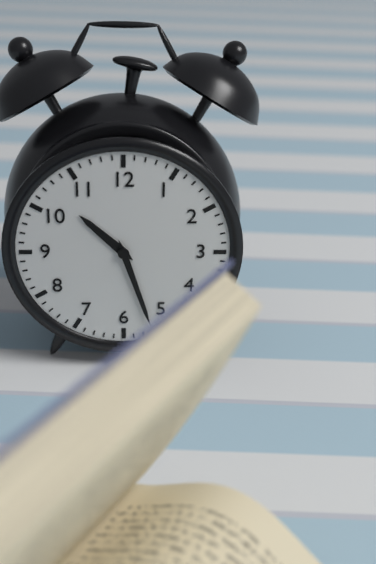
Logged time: 10 h 27 min
